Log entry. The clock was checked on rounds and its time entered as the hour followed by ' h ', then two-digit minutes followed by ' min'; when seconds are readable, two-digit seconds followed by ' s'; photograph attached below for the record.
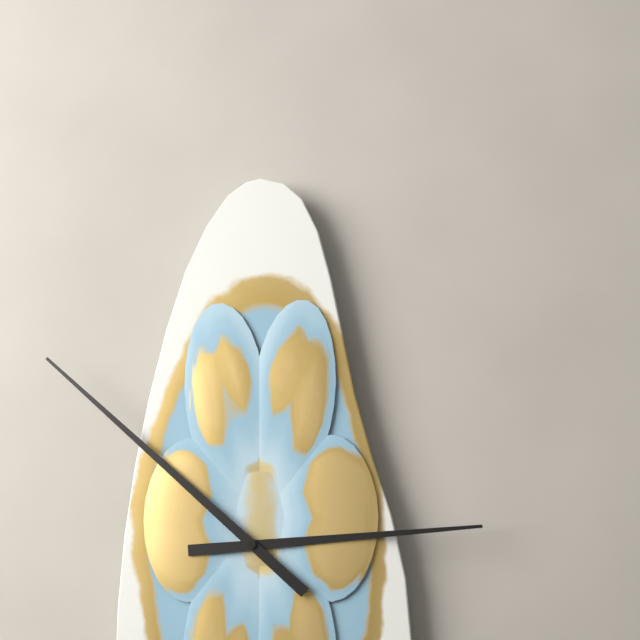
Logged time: 2 h 52 min
